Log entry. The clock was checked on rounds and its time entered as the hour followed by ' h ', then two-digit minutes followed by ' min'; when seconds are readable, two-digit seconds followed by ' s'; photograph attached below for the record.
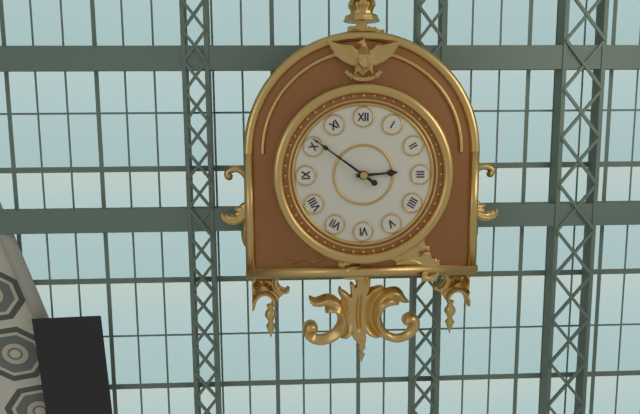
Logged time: 2 h 51 min
